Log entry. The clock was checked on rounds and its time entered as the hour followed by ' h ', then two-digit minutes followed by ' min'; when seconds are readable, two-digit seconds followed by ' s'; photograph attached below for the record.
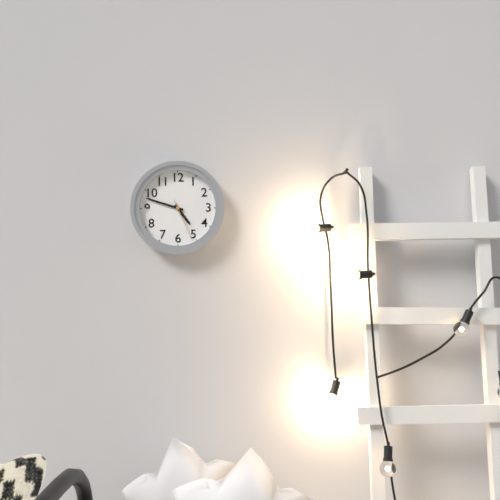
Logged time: 4 h 48 min
